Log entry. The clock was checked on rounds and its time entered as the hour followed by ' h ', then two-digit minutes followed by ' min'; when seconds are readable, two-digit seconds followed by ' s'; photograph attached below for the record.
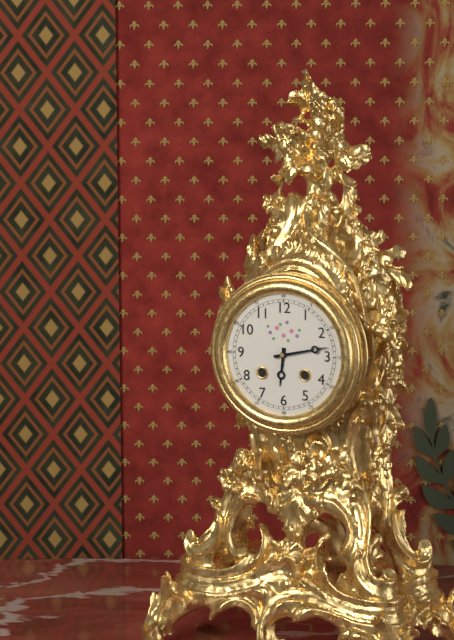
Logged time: 6 h 13 min
